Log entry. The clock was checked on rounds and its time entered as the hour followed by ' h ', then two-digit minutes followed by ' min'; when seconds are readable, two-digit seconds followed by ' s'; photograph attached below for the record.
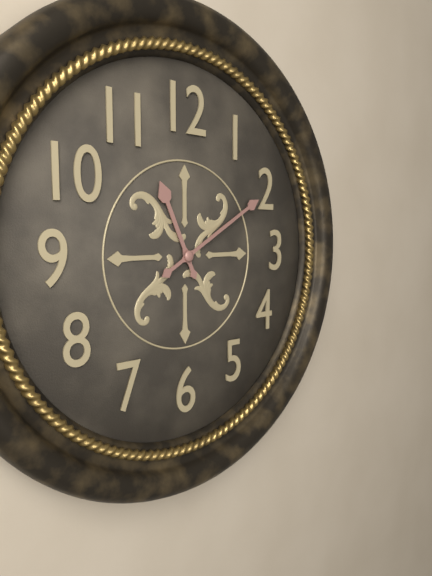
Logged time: 11 h 10 min
